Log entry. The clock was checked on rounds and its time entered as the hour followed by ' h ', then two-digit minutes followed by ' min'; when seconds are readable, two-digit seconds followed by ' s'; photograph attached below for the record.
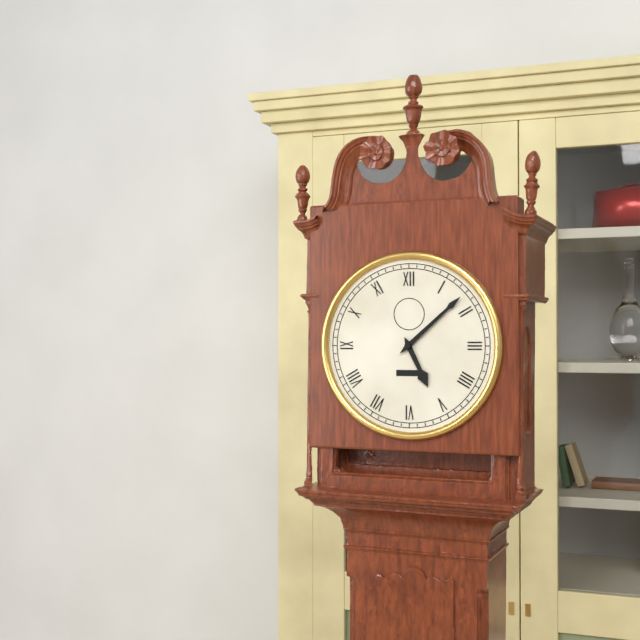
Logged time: 5 h 08 min
